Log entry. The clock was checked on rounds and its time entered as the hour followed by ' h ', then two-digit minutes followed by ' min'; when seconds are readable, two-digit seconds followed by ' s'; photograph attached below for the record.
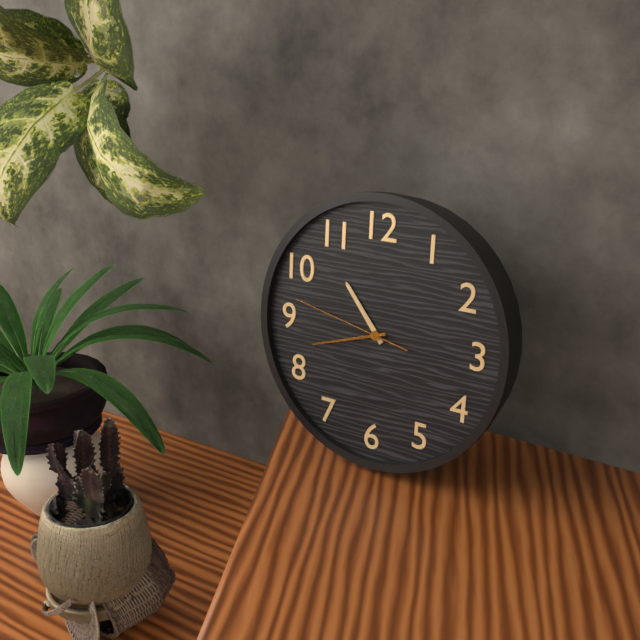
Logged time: 10 h 42 min 47 s
